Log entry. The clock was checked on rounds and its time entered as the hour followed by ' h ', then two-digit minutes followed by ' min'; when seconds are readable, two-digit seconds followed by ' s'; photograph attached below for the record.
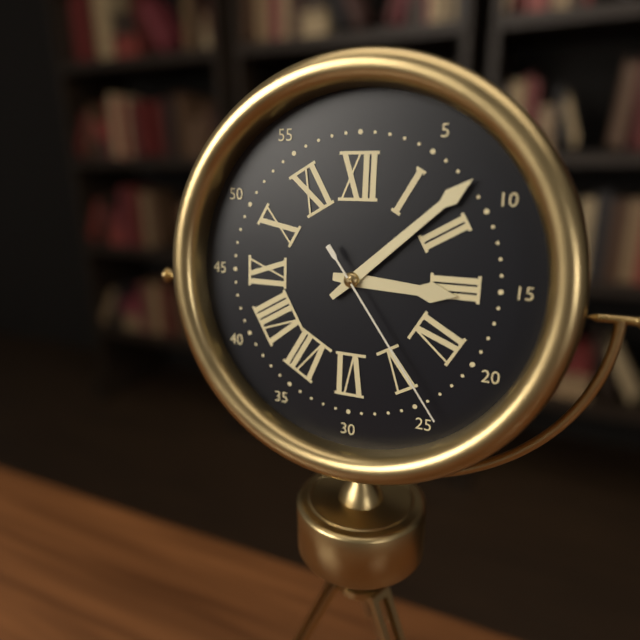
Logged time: 3 h 08 min 24 s
